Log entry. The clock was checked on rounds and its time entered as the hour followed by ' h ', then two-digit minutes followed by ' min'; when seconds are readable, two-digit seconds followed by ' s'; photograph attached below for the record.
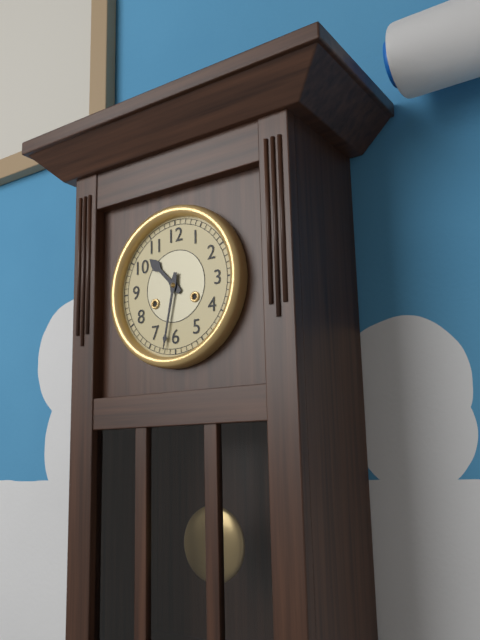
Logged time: 10 h 32 min
